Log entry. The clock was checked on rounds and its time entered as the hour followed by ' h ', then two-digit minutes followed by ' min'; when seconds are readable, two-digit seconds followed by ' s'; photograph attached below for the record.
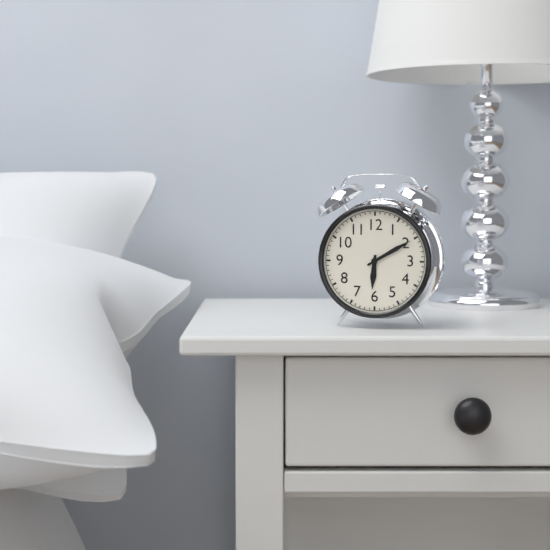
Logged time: 6 h 10 min
